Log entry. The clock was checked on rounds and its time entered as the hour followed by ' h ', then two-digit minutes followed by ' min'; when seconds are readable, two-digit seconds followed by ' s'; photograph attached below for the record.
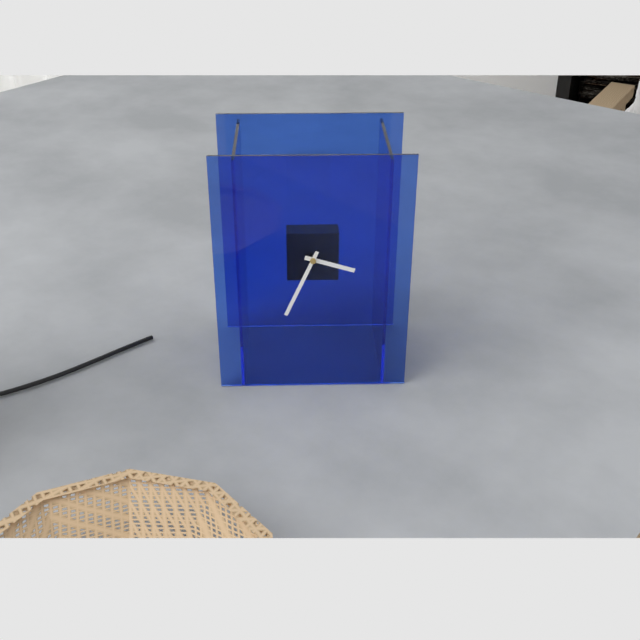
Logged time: 3 h 34 min
